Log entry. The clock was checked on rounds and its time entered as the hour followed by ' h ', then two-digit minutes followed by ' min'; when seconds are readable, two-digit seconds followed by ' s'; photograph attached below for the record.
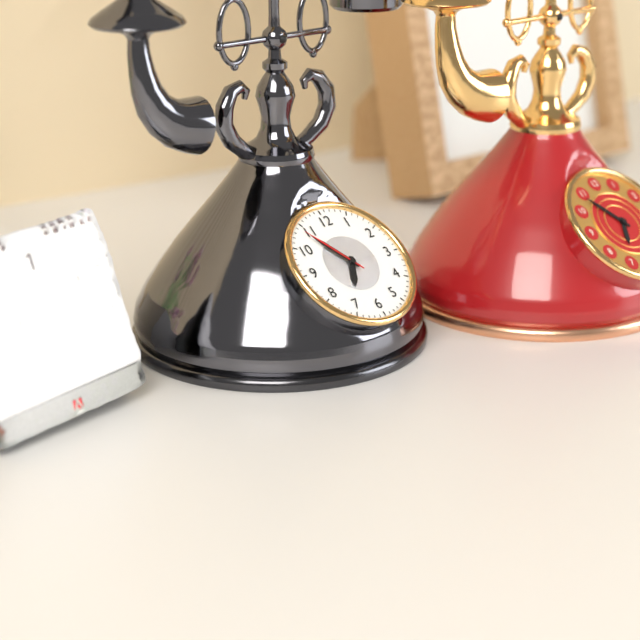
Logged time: 6 h 54 min 54 s
